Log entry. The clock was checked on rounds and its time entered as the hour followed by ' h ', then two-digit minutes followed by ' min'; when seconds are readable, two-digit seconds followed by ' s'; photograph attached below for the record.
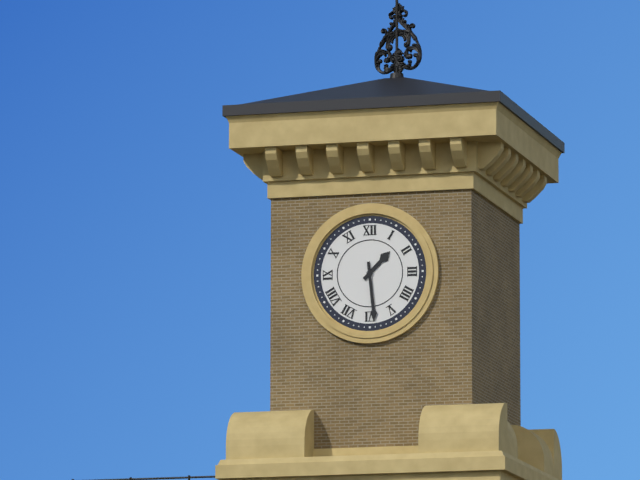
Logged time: 1 h 29 min
